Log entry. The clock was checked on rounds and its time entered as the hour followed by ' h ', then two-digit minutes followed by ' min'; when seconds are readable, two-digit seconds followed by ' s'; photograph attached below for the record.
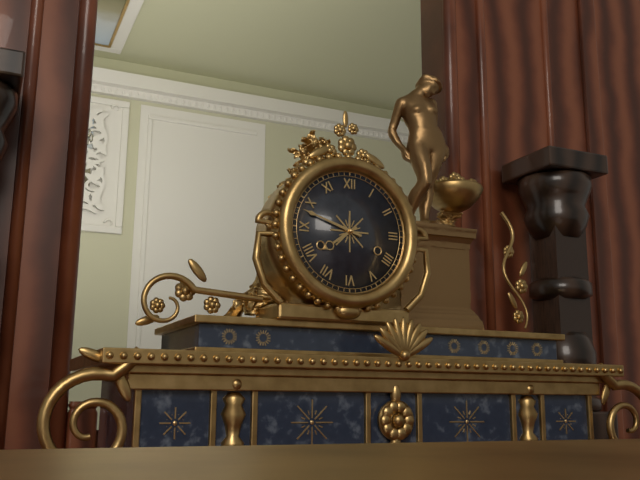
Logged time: 7 h 48 min
